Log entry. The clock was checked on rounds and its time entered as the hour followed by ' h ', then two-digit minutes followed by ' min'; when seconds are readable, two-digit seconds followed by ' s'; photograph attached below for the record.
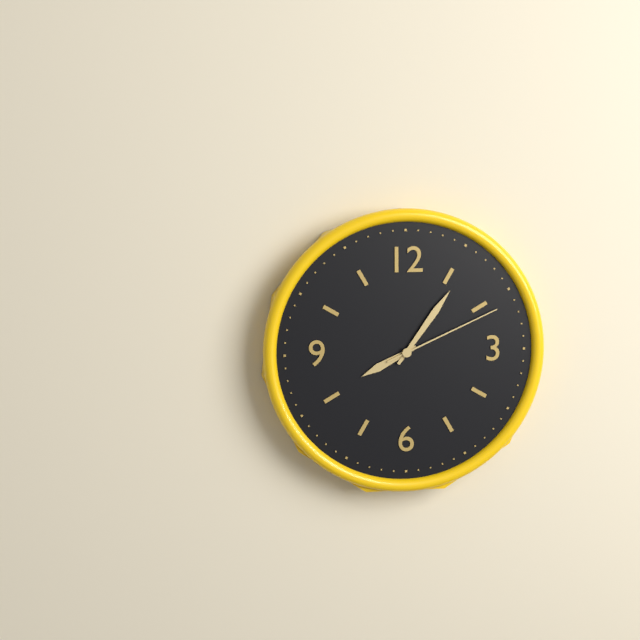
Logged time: 8 h 06 min 11 s
